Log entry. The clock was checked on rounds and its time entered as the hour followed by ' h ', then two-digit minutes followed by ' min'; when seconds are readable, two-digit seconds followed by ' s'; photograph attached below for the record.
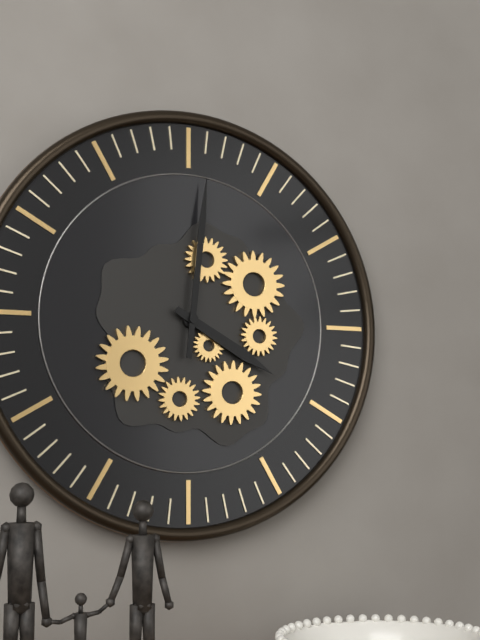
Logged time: 4 h 01 min
